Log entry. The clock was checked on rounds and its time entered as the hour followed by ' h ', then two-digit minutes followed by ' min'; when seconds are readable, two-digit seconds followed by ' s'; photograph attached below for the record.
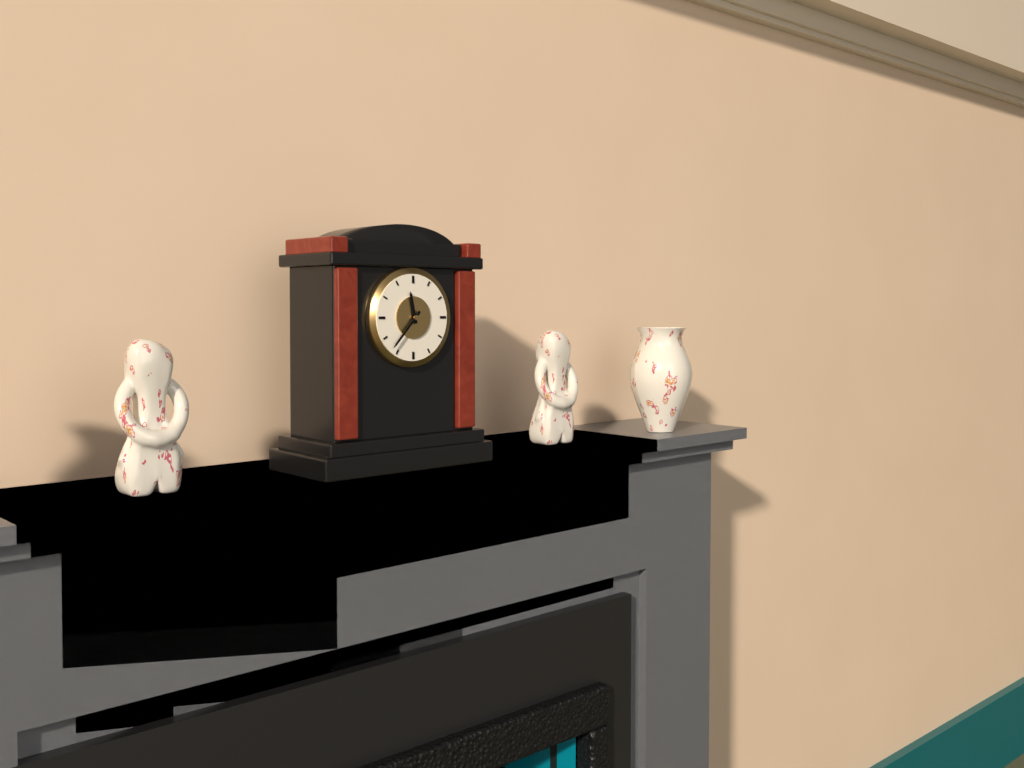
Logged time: 11 h 37 min
